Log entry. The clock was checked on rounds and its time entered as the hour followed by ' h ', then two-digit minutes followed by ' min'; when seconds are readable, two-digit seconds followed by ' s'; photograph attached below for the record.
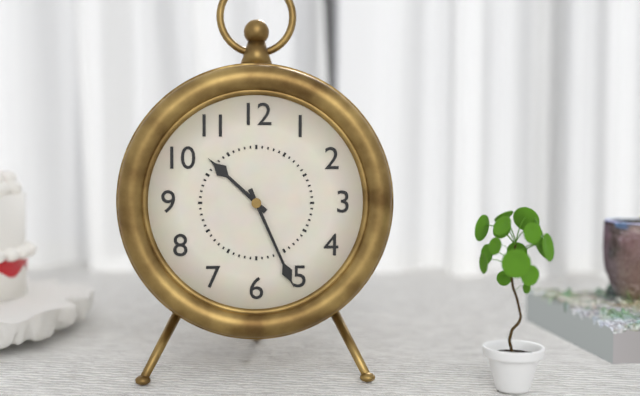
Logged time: 10 h 26 min
